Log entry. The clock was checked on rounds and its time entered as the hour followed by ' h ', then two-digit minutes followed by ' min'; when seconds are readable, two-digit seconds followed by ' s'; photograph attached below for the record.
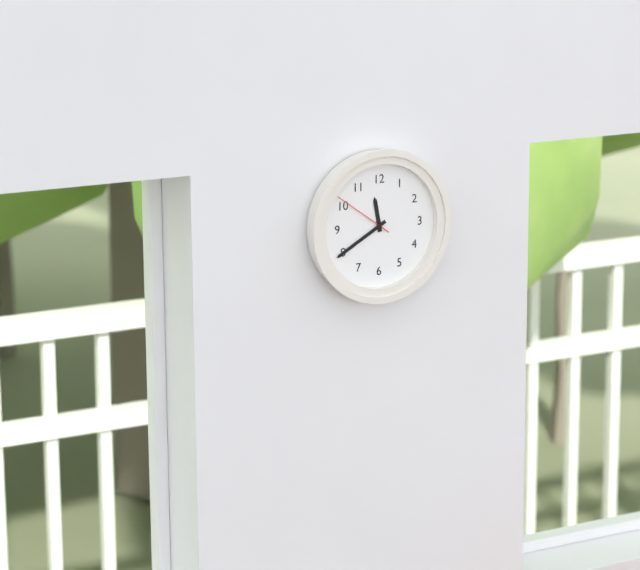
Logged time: 11 h 40 min 51 s
